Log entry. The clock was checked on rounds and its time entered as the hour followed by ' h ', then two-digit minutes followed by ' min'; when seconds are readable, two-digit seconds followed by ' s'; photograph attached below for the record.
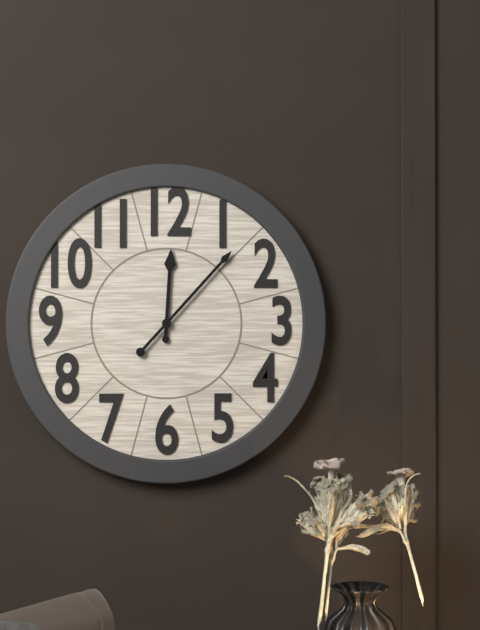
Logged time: 12 h 07 min
